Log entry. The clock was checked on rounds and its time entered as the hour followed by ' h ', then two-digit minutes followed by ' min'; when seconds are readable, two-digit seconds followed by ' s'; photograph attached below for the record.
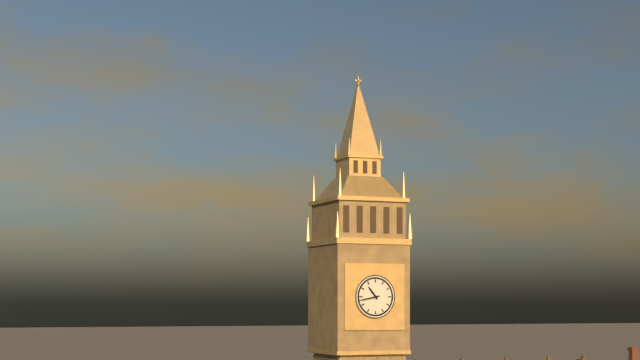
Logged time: 10 h 43 min
